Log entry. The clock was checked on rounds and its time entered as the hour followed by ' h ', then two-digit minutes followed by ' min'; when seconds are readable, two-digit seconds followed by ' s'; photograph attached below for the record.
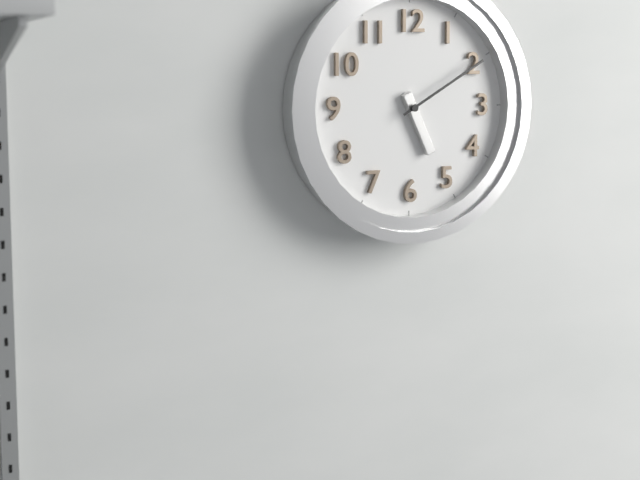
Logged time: 5 h 10 min
